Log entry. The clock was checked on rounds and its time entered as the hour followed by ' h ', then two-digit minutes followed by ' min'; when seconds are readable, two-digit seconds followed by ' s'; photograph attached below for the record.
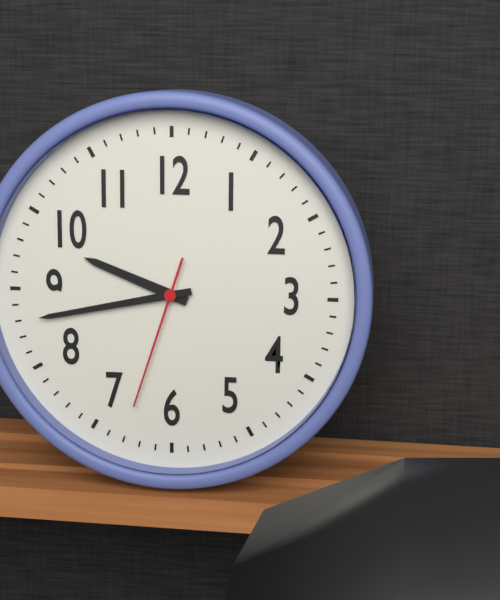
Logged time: 9 h 43 min 33 s
